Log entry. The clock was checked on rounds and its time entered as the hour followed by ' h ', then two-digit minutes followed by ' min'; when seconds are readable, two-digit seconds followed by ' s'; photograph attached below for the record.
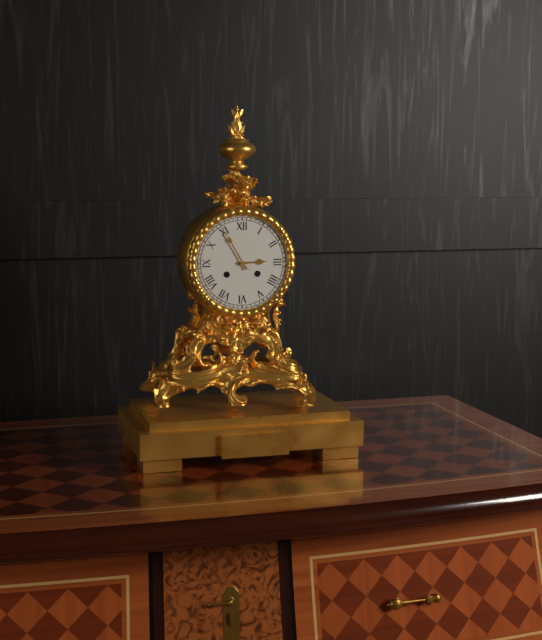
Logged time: 2 h 55 min
